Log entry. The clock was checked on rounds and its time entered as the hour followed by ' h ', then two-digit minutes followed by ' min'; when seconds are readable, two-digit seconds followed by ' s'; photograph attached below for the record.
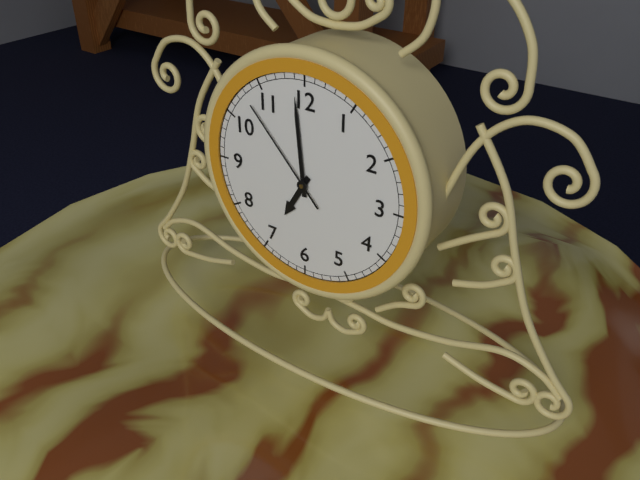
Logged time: 6 h 59 min 53 s
